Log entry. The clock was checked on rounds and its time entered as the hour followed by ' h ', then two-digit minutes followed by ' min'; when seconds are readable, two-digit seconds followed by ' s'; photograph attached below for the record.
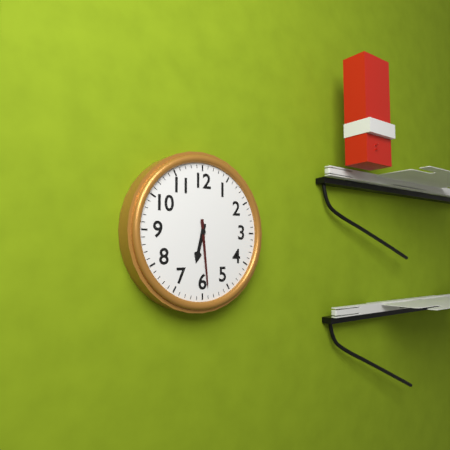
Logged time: 6 h 29 min
